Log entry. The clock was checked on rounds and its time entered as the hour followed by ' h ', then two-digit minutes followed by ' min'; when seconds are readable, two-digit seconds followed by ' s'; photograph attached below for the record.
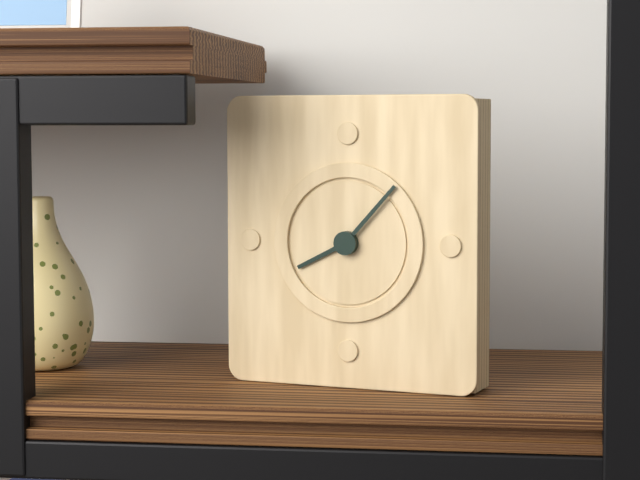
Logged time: 8 h 07 min
